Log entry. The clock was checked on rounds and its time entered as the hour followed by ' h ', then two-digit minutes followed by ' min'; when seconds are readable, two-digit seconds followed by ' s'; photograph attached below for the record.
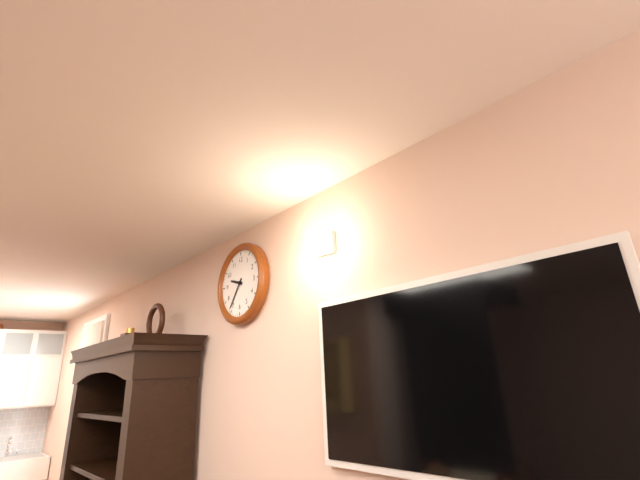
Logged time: 9 h 36 min
